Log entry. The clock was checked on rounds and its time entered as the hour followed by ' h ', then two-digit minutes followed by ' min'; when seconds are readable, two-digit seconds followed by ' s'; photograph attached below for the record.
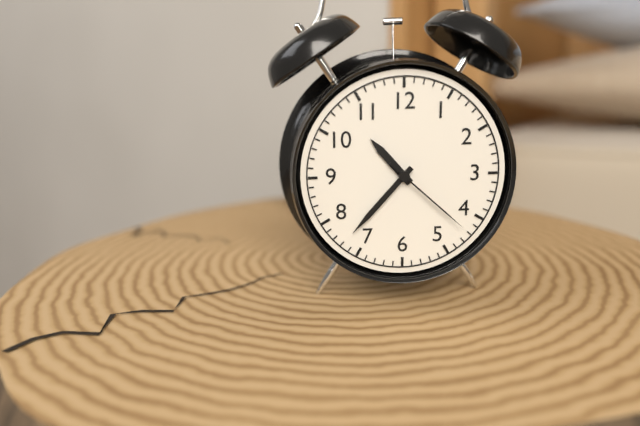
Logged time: 10 h 37 min 22 s
